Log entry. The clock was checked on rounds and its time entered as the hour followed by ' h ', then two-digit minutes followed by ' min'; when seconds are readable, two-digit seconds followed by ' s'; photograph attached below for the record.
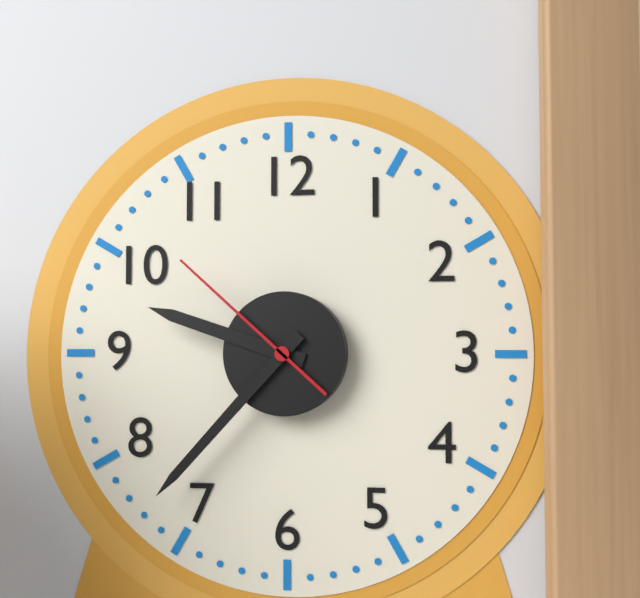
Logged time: 9 h 37 min 52 s
